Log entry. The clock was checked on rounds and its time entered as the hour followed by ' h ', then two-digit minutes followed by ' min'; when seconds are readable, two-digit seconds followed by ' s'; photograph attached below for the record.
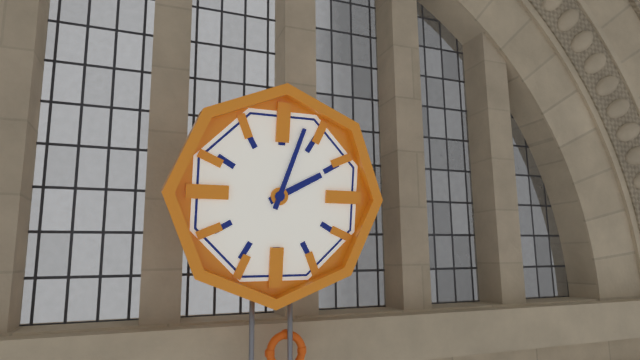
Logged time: 2 h 03 min
